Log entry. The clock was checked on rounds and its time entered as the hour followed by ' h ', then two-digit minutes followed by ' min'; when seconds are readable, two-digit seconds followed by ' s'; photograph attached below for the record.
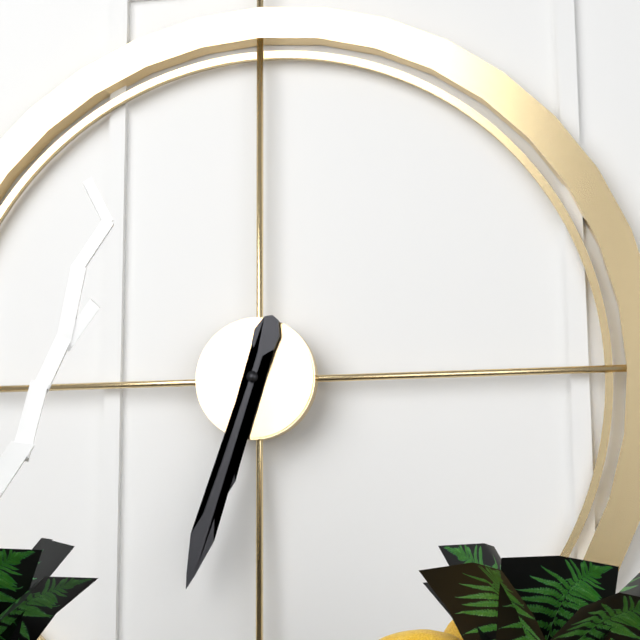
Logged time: 6 h 33 min
